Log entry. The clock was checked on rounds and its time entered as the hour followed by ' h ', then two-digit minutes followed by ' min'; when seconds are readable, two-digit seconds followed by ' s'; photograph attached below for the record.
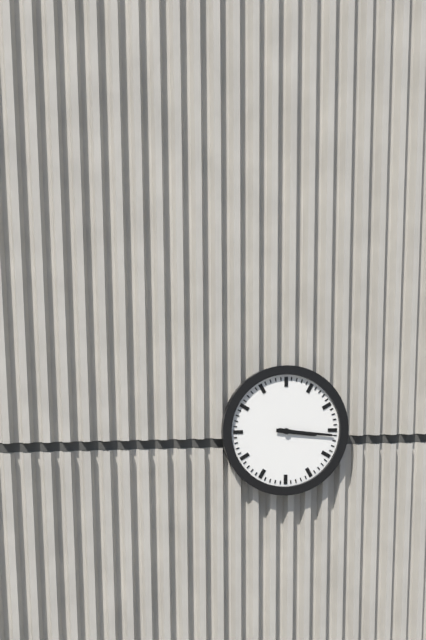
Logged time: 3 h 16 min
